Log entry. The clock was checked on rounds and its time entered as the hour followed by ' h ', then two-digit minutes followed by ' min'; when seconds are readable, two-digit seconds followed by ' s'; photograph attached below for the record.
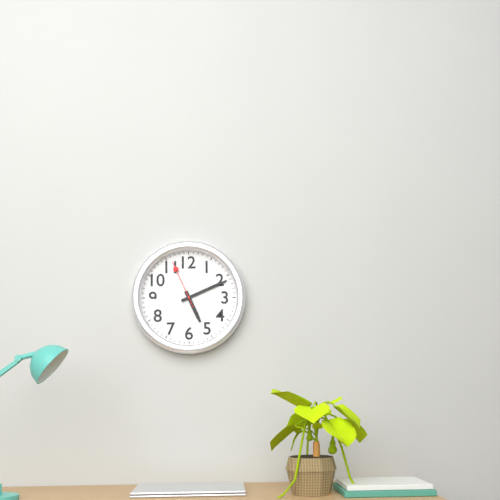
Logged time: 5 h 11 min
